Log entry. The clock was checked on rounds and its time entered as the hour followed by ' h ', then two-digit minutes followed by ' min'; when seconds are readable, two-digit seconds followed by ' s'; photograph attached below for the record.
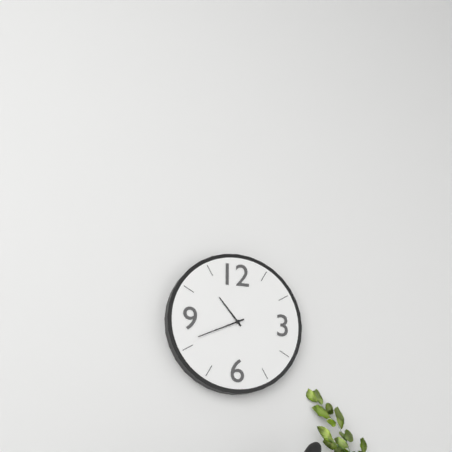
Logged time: 10 h 41 min
